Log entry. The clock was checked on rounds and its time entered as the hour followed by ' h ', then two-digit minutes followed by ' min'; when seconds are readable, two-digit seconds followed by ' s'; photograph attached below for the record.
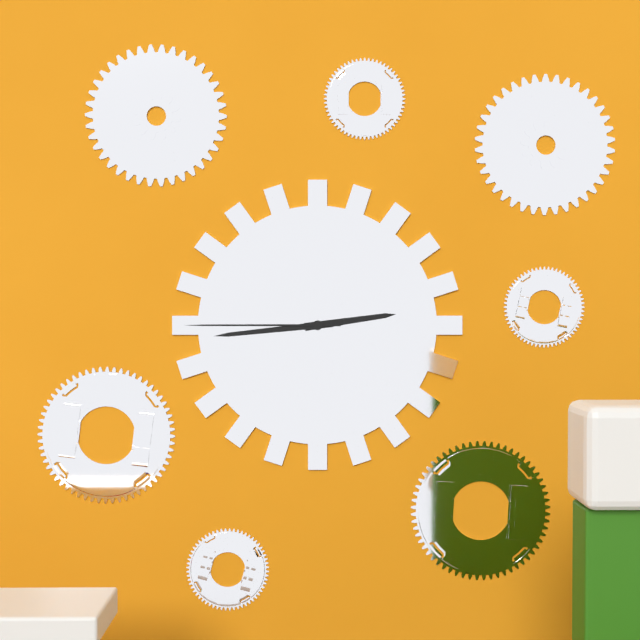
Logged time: 2 h 44 min 45 s
